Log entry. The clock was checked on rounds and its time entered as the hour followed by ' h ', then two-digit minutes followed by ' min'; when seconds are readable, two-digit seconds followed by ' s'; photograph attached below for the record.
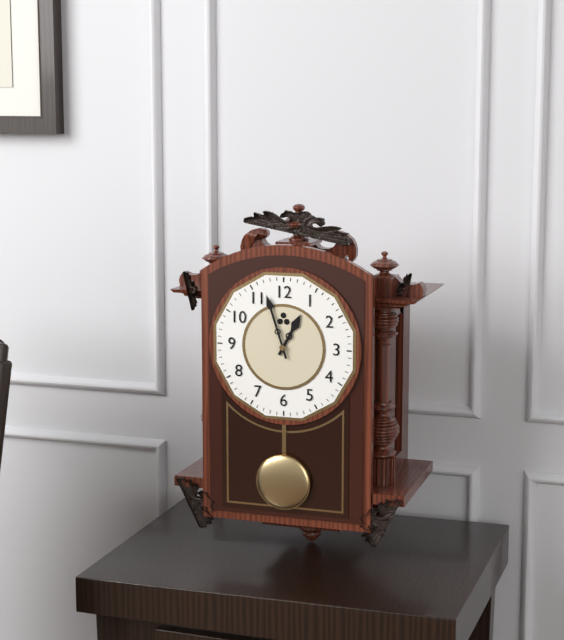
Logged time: 12 h 57 min
